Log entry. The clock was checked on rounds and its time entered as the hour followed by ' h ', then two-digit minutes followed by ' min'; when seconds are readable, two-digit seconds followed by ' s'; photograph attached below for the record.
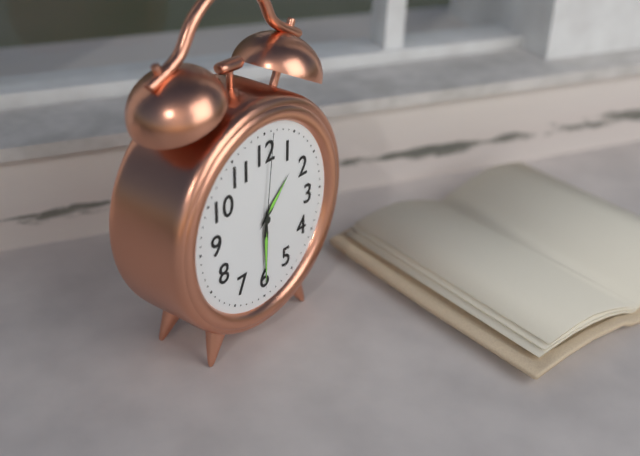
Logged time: 1 h 30 min 01 s
